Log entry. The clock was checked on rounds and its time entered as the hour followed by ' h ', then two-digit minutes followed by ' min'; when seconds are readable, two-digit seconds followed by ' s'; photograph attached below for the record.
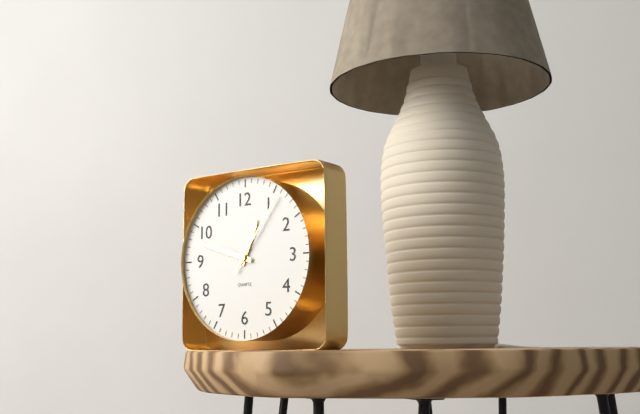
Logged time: 12 h 48 min 06 s
